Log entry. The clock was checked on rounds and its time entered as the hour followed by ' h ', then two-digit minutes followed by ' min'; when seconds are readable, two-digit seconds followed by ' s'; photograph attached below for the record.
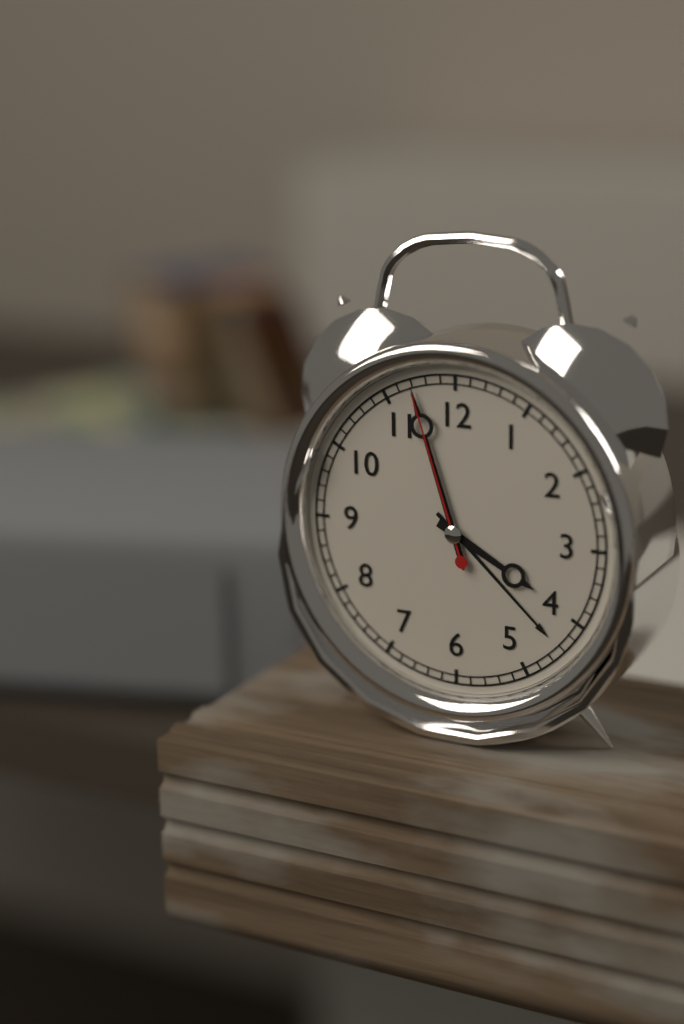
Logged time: 3 h 57 min 57 s
